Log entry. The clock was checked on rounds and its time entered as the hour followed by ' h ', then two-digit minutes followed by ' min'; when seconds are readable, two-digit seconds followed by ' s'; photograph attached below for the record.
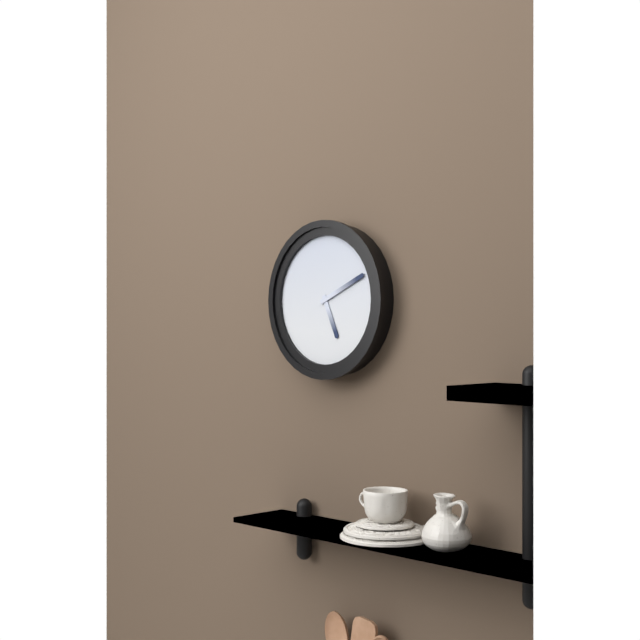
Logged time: 5 h 11 min
